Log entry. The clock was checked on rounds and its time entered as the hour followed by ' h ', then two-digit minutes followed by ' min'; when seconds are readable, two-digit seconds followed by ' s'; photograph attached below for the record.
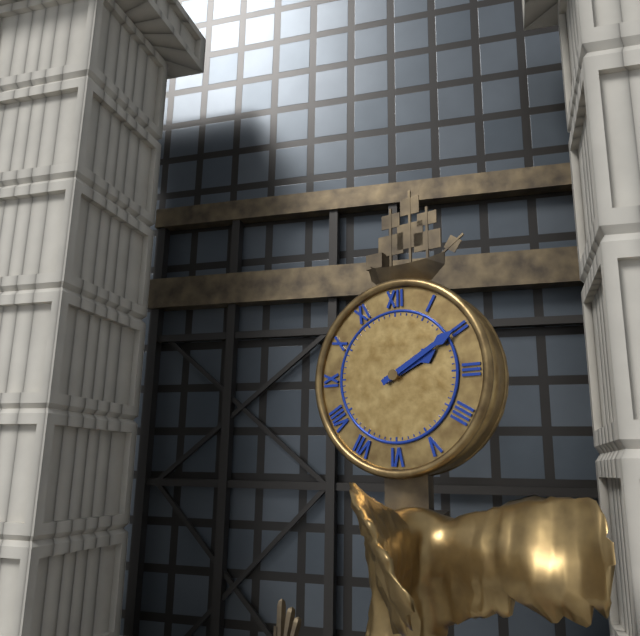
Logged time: 2 h 10 min
